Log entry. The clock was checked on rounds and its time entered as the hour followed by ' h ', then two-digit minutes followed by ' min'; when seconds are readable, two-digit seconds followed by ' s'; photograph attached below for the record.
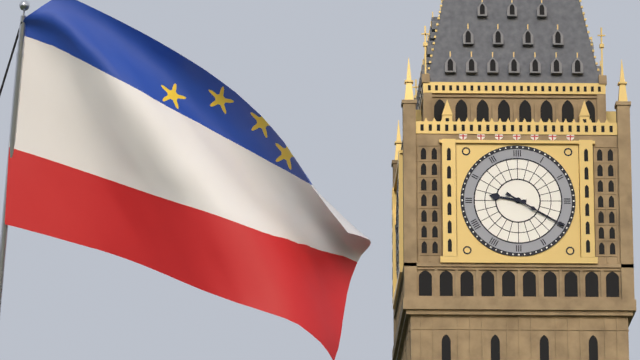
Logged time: 9 h 20 min
